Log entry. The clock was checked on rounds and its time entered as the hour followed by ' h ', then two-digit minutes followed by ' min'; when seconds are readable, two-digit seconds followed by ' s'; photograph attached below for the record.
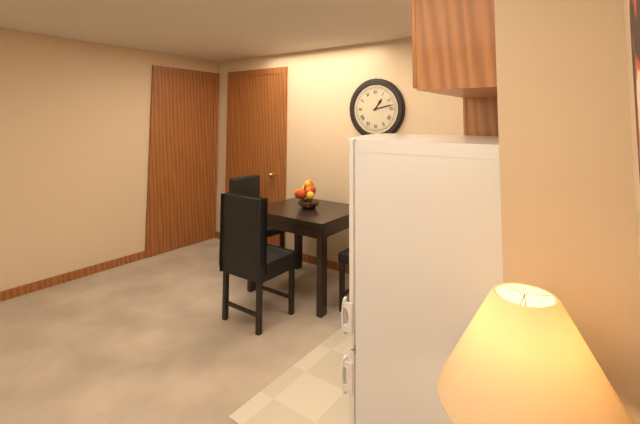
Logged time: 1 h 13 min
